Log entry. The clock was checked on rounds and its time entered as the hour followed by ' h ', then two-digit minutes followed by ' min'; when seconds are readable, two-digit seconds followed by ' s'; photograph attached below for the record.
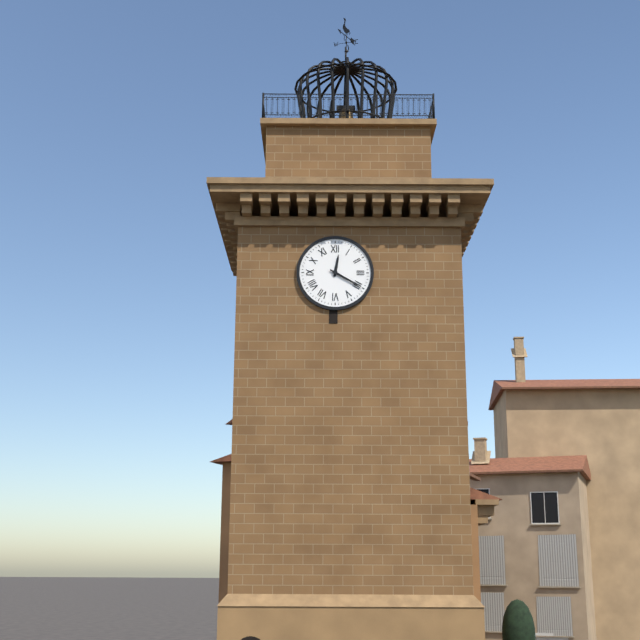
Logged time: 12 h 20 min
